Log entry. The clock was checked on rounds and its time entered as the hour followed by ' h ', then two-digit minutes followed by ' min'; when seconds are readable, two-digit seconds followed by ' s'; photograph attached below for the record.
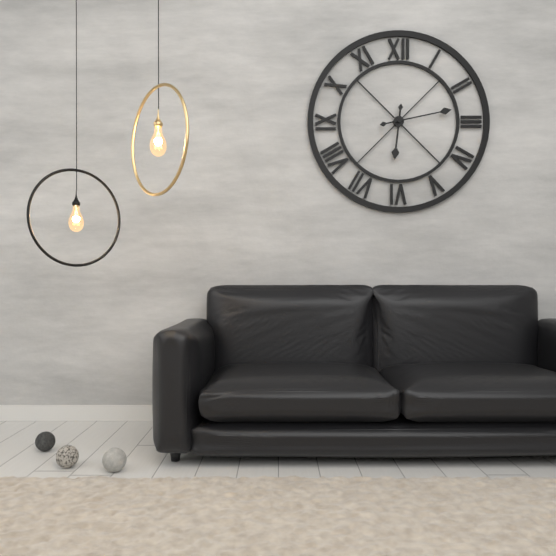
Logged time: 6 h 13 min
